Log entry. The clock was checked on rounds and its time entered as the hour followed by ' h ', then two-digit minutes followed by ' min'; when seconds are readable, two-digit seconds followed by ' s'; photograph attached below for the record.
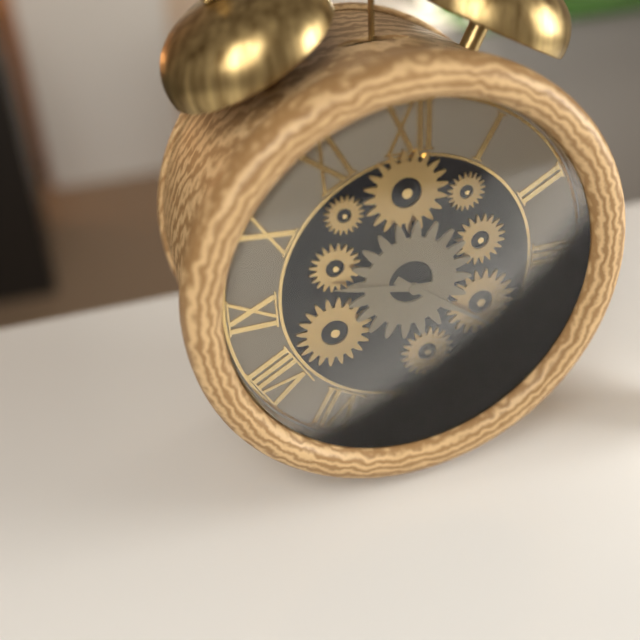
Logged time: 9 h 21 min
